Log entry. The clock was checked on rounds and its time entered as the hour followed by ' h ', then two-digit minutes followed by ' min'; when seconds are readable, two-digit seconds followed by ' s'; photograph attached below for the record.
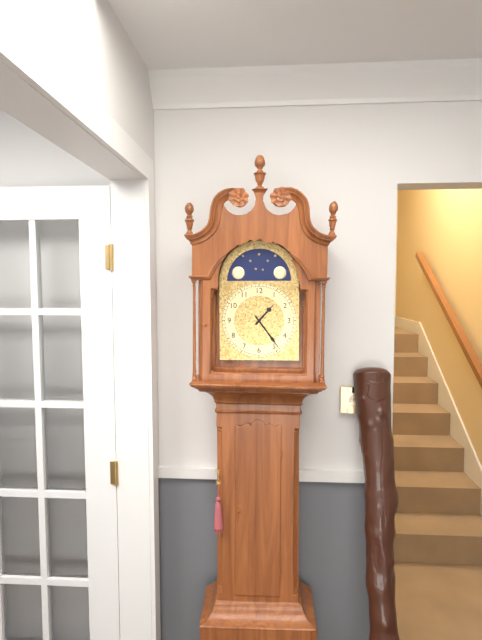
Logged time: 1 h 24 min
